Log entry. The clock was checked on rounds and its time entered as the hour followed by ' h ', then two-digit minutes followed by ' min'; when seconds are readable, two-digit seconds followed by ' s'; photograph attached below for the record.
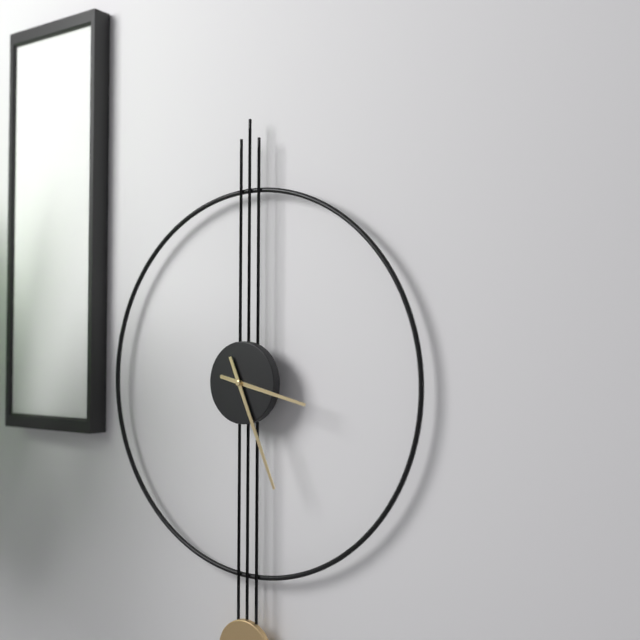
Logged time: 3 h 26 min
